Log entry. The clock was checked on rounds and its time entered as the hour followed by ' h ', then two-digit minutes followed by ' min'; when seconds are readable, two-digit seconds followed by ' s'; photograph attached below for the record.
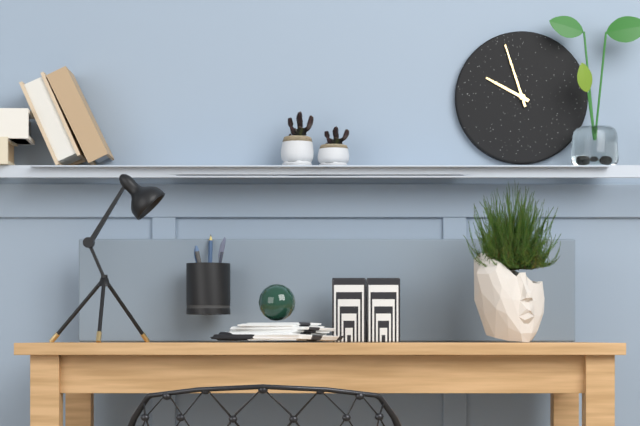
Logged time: 9 h 57 min
